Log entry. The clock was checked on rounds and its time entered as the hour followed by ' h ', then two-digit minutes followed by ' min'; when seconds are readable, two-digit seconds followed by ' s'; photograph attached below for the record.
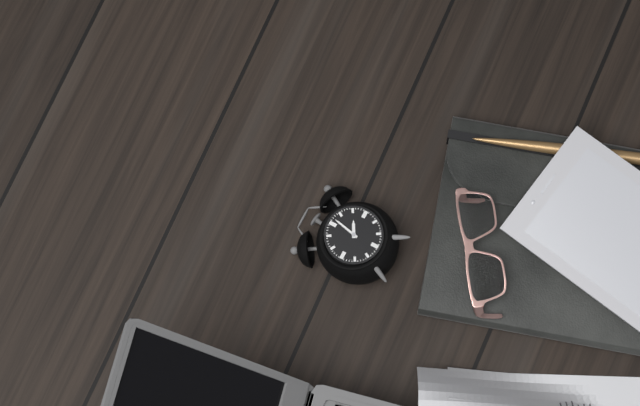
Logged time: 2 h 02 min
